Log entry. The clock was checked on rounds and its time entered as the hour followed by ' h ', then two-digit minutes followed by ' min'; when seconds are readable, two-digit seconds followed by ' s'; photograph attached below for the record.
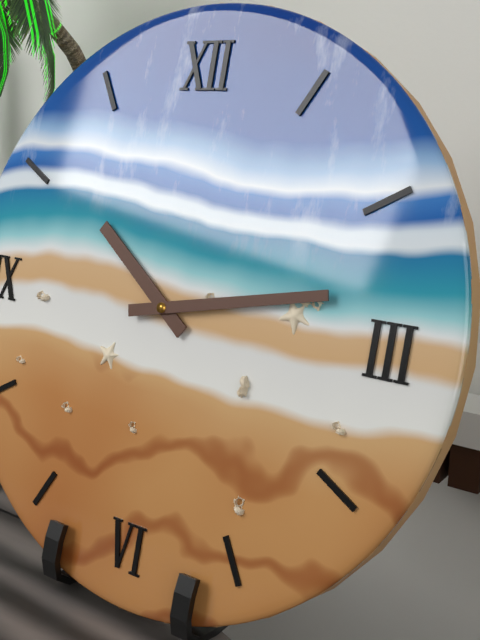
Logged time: 10 h 13 min
